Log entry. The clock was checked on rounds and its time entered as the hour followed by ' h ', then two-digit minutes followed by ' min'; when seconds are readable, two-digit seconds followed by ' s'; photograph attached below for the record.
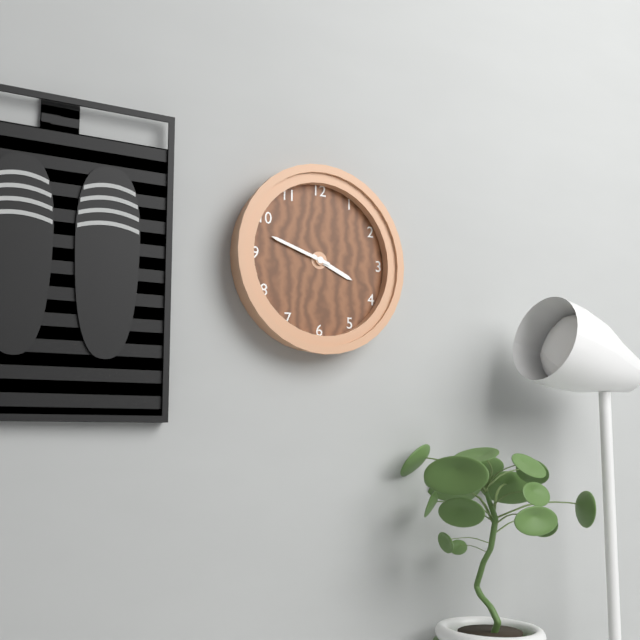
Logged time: 3 h 48 min
